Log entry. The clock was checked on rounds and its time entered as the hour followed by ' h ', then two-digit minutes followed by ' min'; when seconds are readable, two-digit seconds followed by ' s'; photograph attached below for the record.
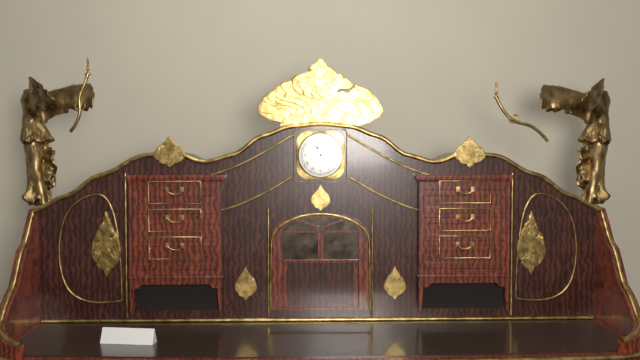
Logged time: 11 h 11 min
